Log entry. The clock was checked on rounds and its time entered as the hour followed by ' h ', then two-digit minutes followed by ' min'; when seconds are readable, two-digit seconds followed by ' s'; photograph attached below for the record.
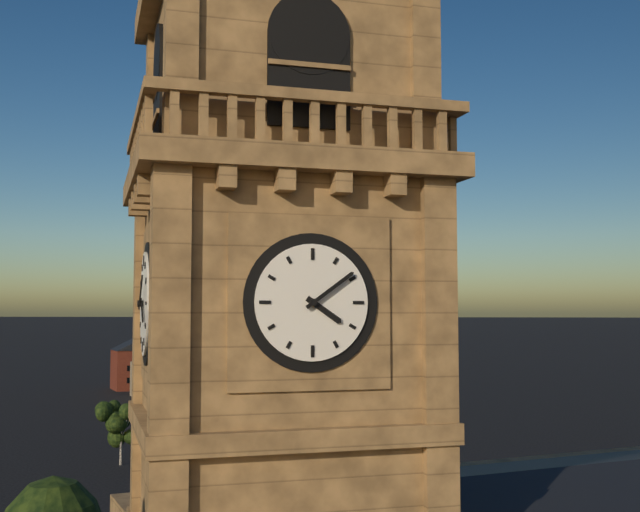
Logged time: 4 h 09 min
